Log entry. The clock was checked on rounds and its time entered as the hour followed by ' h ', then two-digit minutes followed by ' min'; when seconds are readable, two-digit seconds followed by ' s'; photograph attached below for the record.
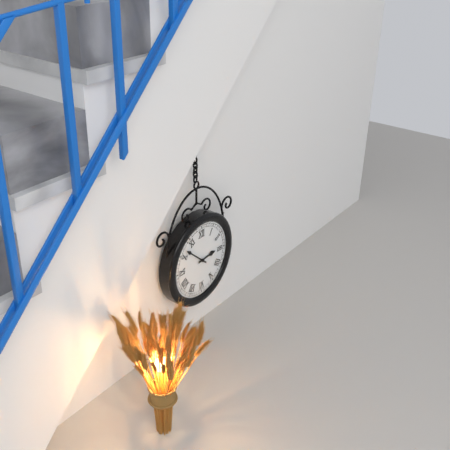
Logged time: 2 h 52 min
